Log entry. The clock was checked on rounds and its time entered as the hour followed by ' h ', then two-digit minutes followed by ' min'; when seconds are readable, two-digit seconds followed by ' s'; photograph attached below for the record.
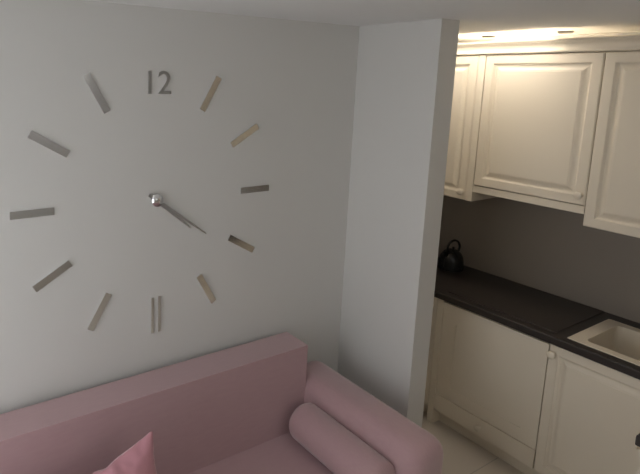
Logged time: 4 h 21 min
